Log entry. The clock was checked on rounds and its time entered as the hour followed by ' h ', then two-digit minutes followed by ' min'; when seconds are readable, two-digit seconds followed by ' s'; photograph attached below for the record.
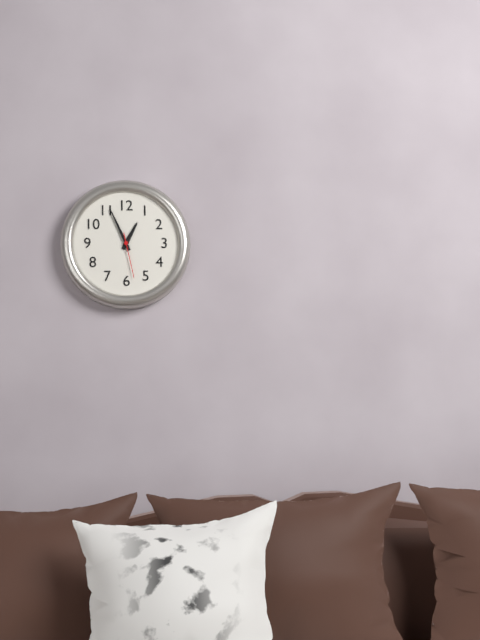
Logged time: 12 h 56 min
